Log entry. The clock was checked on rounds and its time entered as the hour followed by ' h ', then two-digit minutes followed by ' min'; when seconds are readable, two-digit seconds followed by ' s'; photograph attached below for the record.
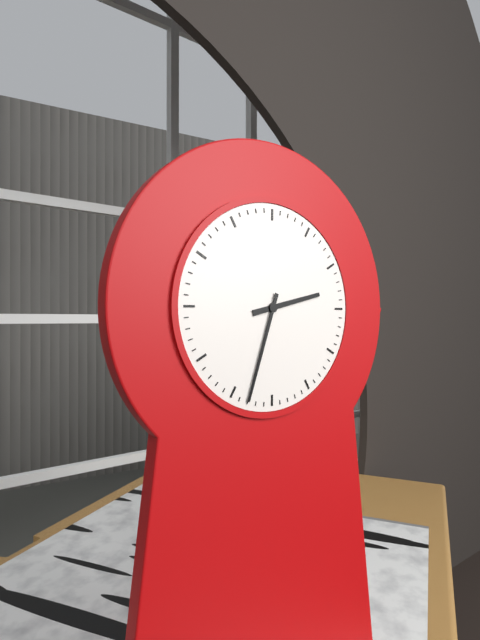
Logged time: 2 h 33 min
